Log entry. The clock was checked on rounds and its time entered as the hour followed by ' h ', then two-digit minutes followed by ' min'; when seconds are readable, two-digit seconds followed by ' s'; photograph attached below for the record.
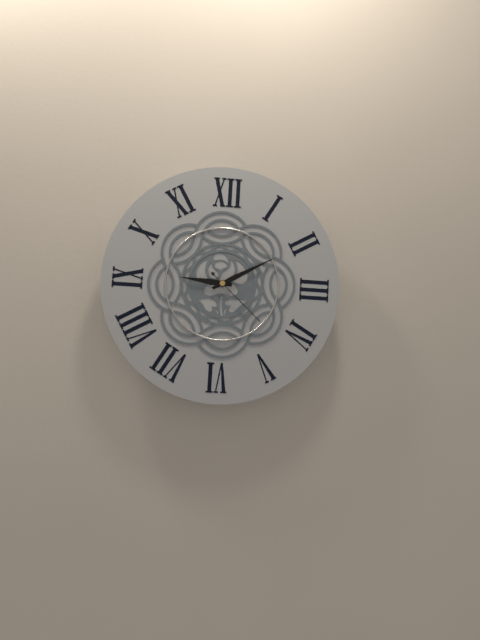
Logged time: 9 h 10 min 22 s
